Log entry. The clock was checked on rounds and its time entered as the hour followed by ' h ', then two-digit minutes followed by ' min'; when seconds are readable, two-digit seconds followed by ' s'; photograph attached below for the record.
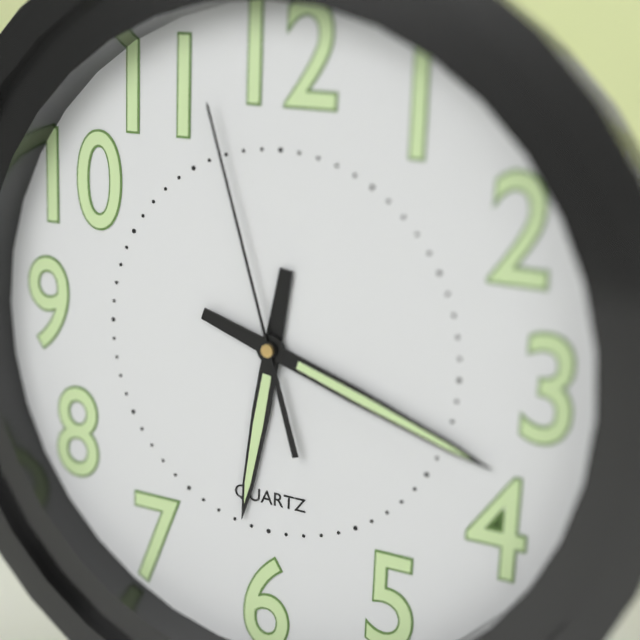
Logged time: 6 h 18 min 57 s
